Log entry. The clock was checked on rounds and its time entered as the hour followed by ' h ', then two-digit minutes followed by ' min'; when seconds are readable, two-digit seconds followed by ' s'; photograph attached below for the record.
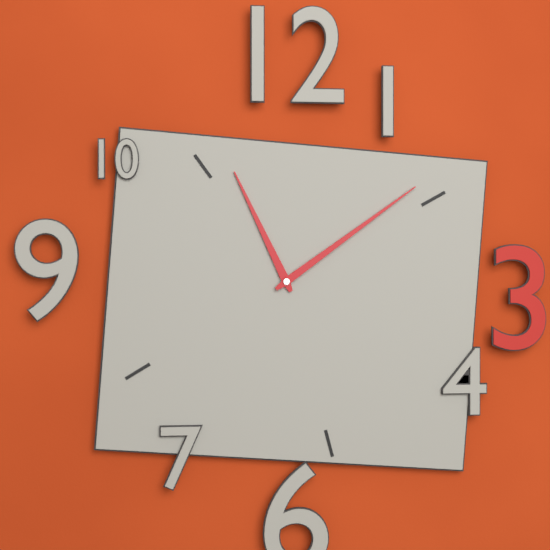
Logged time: 11 h 09 min
